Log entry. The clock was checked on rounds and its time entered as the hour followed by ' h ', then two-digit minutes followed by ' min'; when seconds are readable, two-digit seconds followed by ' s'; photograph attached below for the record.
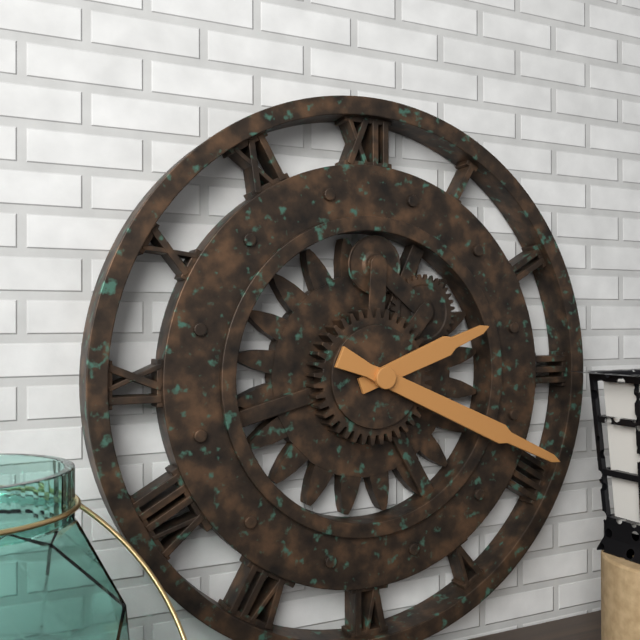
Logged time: 2 h 19 min
